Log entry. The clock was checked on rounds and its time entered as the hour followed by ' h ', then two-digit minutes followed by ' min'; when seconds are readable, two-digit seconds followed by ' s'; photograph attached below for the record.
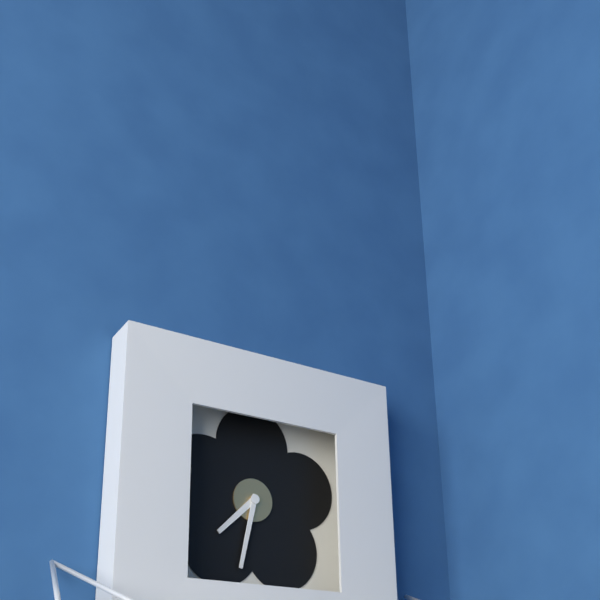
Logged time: 7 h 32 min
